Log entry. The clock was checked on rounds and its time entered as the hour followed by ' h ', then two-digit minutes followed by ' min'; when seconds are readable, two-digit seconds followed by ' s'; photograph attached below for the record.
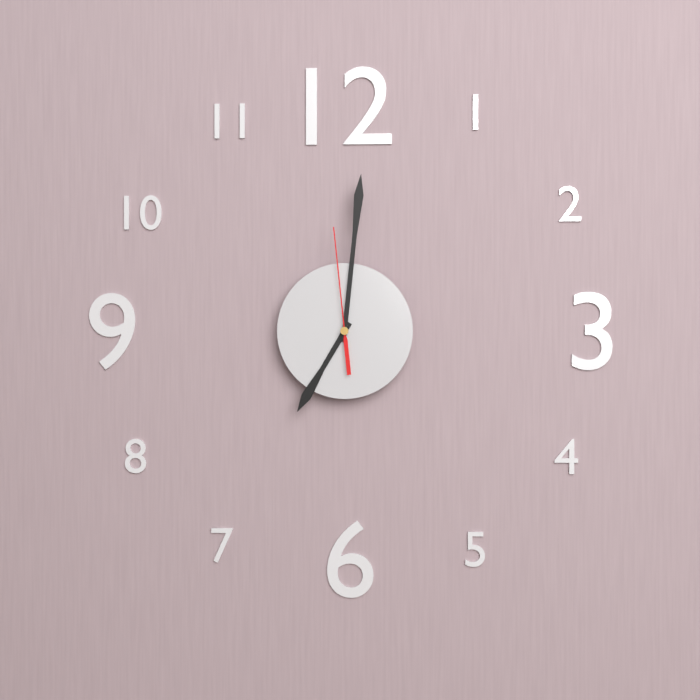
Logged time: 7 h 01 min 59 s
